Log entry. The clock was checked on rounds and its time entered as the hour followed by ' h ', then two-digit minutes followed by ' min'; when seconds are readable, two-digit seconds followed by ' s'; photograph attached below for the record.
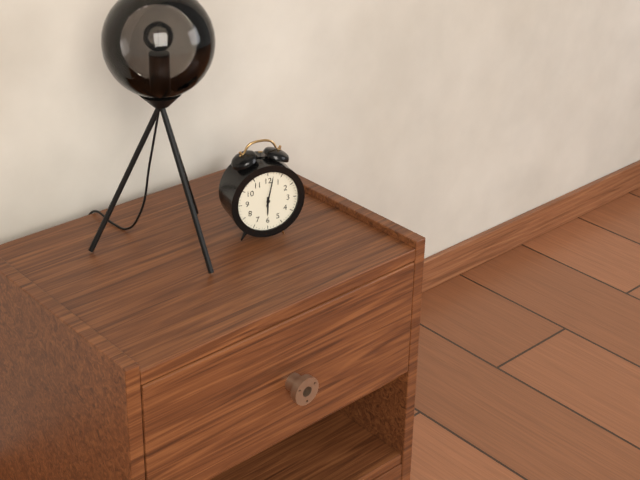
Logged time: 6 h 02 min
